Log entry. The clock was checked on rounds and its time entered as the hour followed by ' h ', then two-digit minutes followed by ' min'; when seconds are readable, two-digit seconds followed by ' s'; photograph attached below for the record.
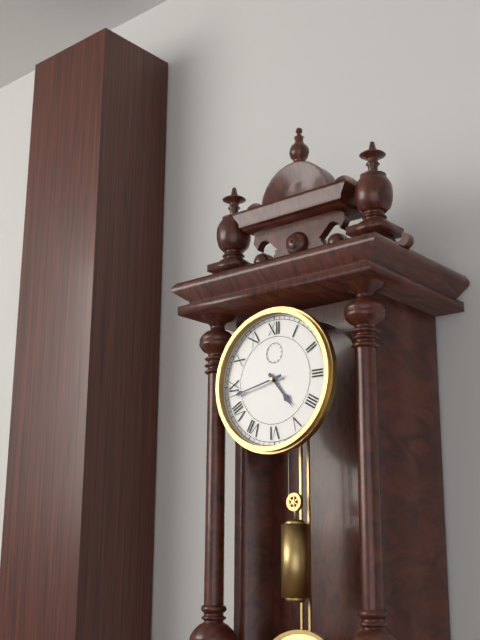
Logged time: 4 h 43 min
